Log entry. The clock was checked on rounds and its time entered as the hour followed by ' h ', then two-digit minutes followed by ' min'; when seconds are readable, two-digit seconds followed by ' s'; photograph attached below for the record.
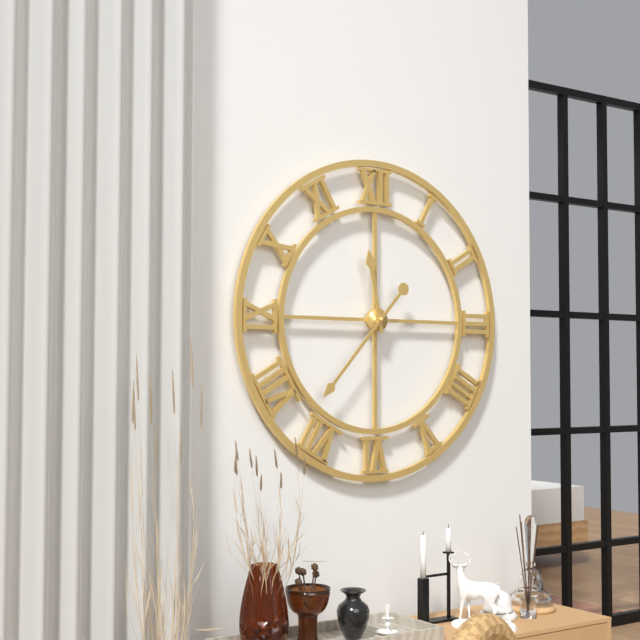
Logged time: 11 h 37 min
